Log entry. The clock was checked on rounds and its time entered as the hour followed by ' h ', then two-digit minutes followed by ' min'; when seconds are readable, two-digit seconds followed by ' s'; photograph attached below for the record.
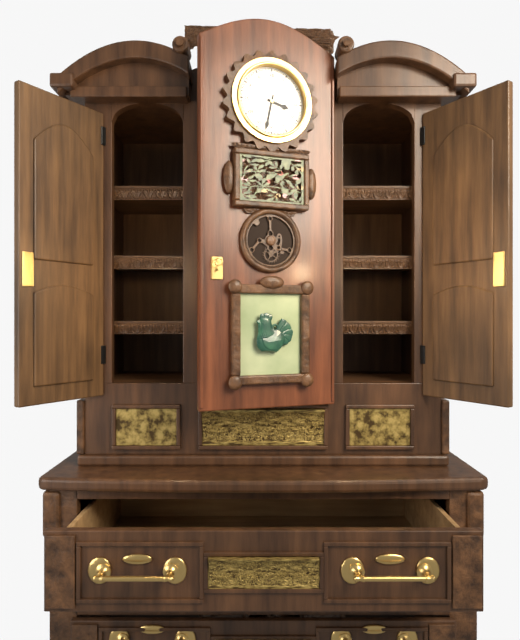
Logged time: 3 h 32 min
